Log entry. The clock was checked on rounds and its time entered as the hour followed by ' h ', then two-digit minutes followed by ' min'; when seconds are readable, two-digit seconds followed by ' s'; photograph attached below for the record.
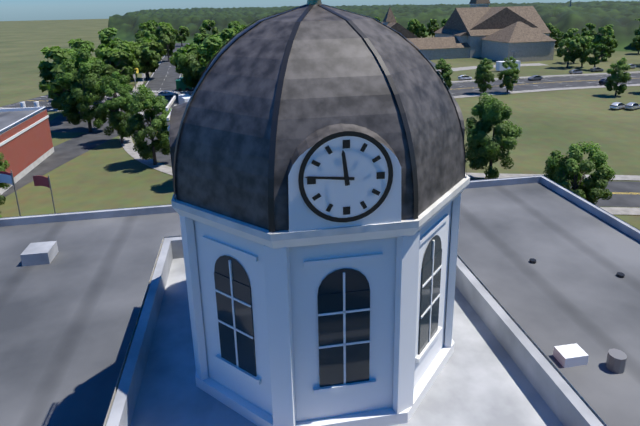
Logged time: 11 h 46 min
